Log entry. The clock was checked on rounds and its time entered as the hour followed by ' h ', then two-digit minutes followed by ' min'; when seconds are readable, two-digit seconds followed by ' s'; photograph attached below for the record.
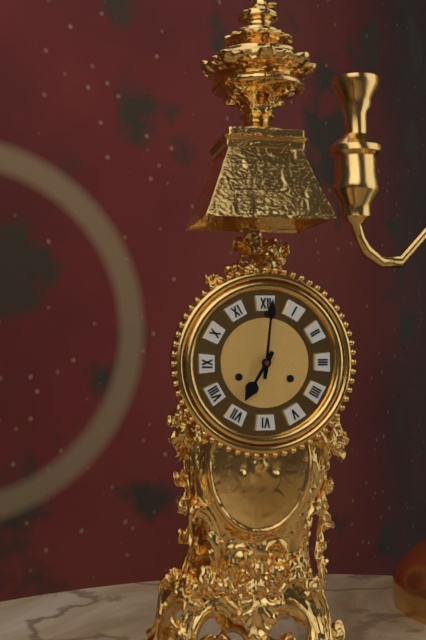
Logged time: 7 h 01 min
